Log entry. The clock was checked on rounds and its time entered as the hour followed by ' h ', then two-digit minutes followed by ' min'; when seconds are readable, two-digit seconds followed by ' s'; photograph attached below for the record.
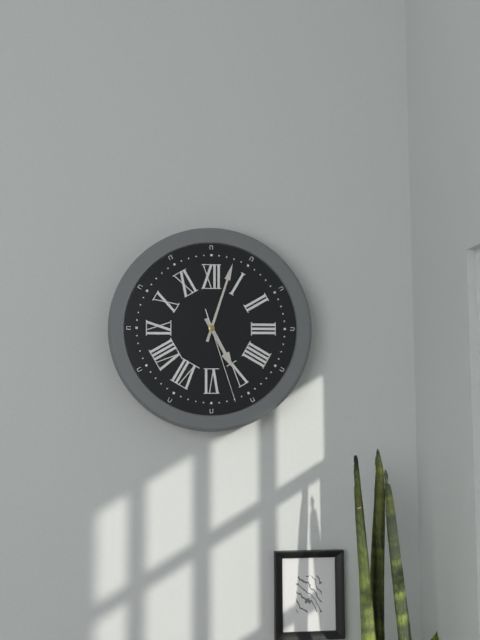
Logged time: 5 h 03 min 27 s
